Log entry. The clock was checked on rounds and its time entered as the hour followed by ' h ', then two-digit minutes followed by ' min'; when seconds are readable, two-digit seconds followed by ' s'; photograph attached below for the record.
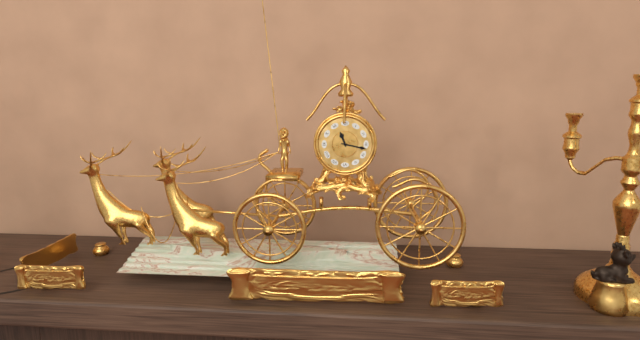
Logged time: 11 h 17 min
